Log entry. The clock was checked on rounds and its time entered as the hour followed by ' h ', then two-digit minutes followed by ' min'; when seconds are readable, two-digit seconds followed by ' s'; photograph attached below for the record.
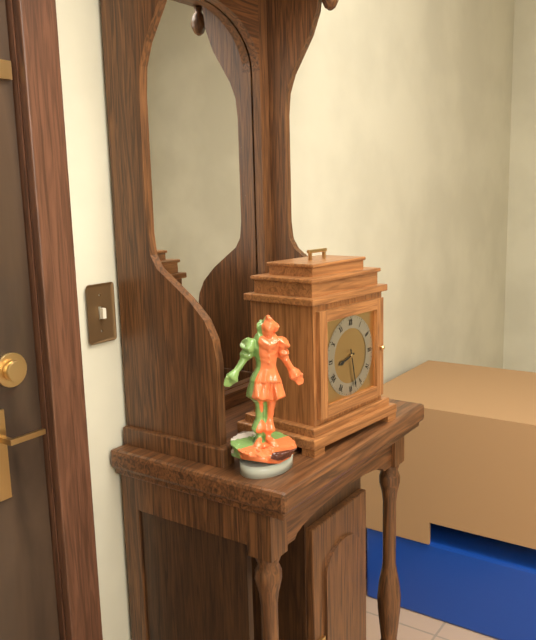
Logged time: 8 h 28 min
